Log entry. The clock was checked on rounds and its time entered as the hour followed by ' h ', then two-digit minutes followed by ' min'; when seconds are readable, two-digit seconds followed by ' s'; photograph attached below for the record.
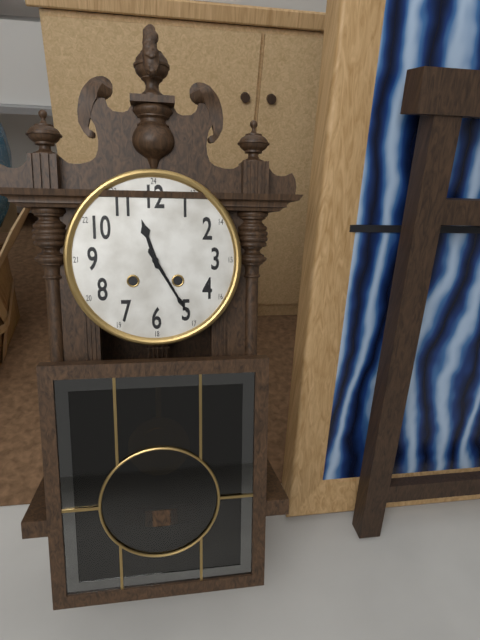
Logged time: 11 h 25 min
